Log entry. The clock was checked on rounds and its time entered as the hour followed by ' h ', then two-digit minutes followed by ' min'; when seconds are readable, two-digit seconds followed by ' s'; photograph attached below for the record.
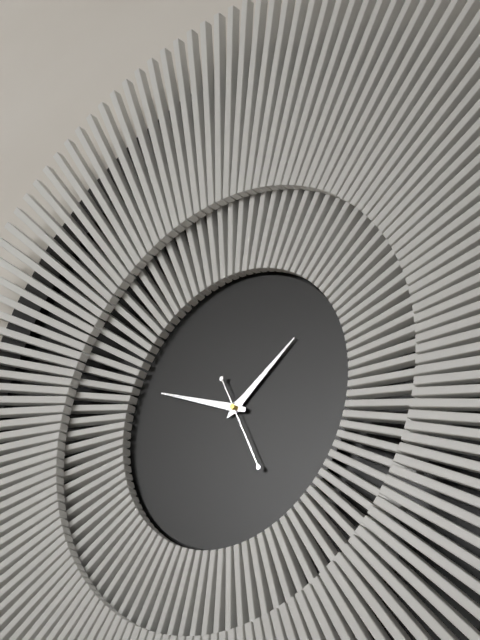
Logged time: 1 h 49 min 26 s
